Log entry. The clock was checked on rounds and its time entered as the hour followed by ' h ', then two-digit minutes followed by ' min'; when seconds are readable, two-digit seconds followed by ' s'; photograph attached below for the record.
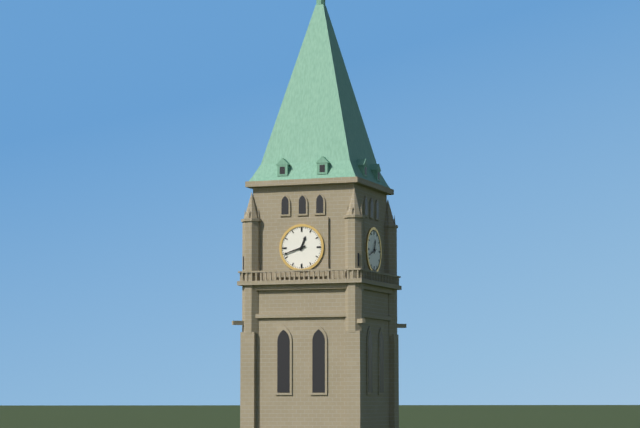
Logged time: 12 h 42 min
